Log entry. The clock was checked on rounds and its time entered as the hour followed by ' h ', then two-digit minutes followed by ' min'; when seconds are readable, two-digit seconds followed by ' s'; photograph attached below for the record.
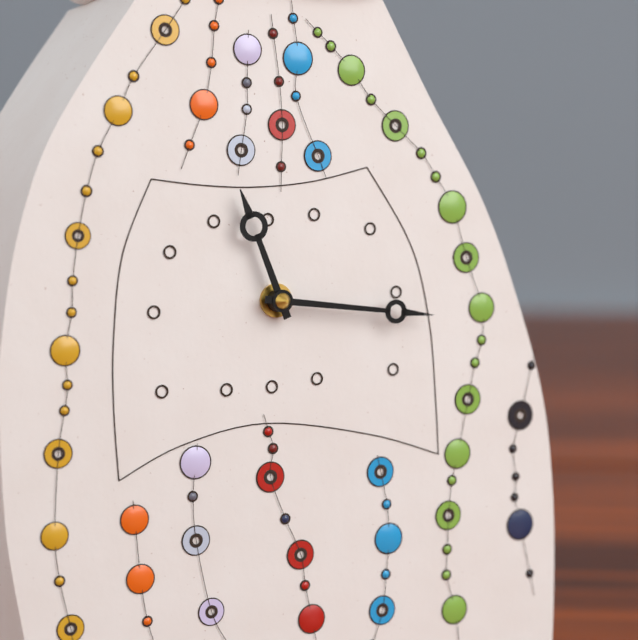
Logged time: 11 h 16 min
